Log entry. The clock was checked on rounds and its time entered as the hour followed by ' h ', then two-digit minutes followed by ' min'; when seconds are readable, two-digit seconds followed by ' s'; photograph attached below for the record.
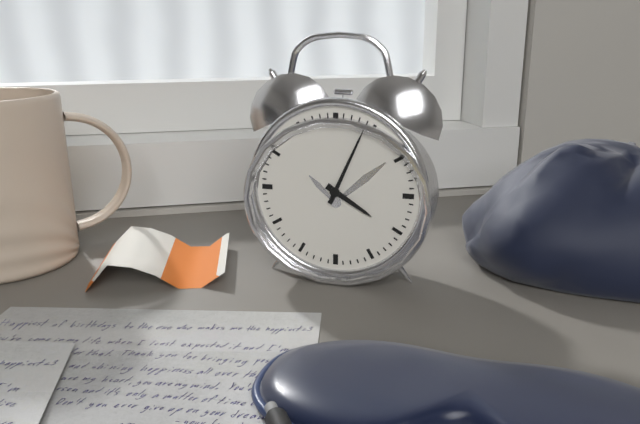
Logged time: 4 h 04 min
